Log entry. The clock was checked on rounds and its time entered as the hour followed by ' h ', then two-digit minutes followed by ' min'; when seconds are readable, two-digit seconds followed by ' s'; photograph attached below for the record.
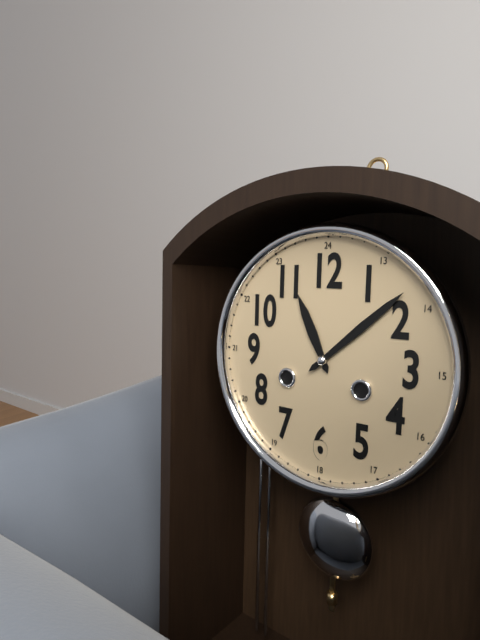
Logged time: 11 h 08 min
